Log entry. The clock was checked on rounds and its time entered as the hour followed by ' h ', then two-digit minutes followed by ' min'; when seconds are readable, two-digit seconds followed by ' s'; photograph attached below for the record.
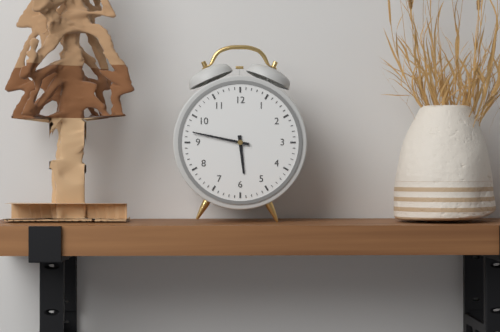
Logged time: 5 h 47 min
